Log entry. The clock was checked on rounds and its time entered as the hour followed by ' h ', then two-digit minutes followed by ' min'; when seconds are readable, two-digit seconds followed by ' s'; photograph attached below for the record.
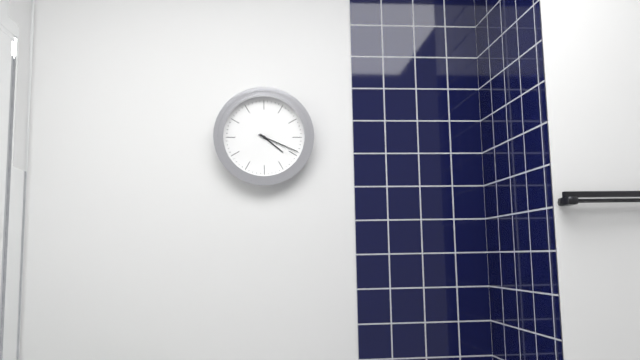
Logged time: 4 h 19 min
